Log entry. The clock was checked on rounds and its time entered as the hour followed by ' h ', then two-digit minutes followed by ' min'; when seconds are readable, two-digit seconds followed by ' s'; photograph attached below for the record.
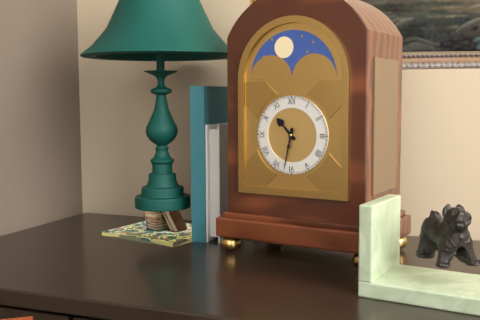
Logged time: 10 h 32 min
